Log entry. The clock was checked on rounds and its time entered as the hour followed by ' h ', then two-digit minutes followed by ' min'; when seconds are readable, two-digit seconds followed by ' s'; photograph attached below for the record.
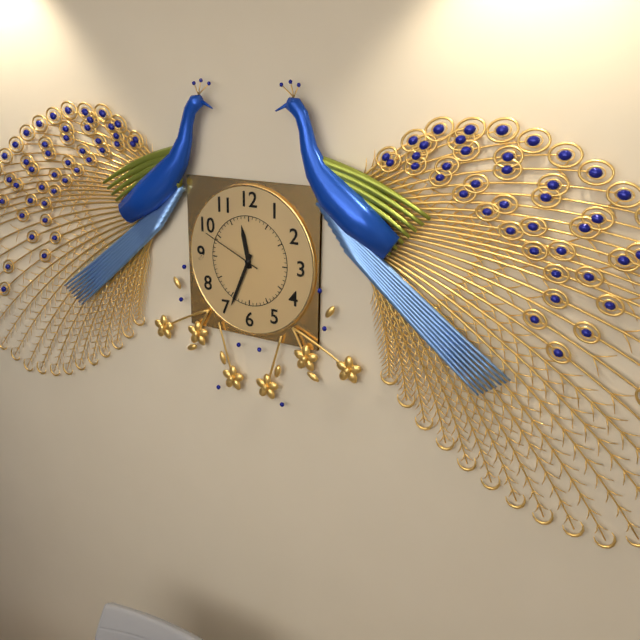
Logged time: 11 h 34 min 49 s
